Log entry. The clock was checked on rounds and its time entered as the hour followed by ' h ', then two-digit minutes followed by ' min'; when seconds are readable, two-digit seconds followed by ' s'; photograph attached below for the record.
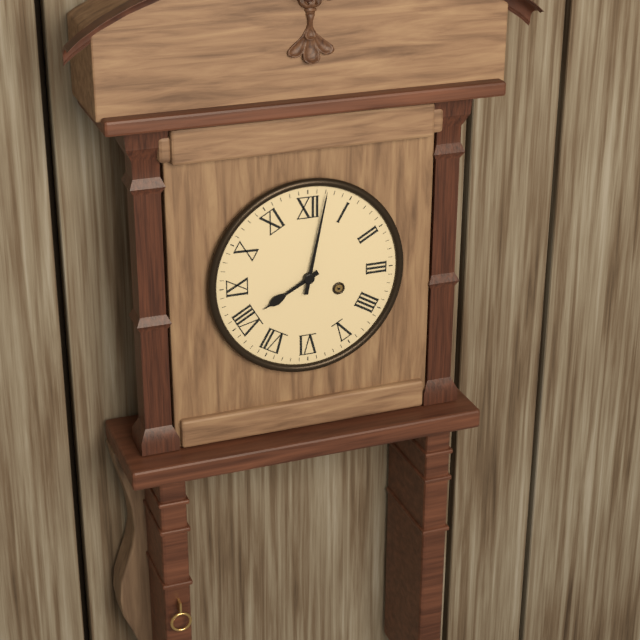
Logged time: 8 h 02 min
